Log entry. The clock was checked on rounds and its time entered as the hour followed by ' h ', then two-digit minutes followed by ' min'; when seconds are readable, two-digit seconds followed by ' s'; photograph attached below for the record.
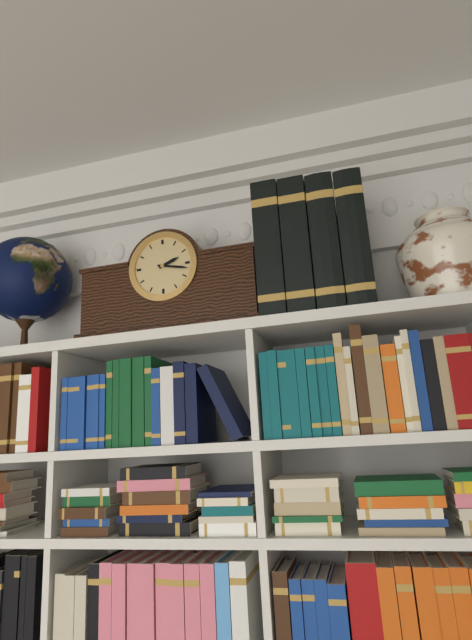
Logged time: 2 h 17 min
